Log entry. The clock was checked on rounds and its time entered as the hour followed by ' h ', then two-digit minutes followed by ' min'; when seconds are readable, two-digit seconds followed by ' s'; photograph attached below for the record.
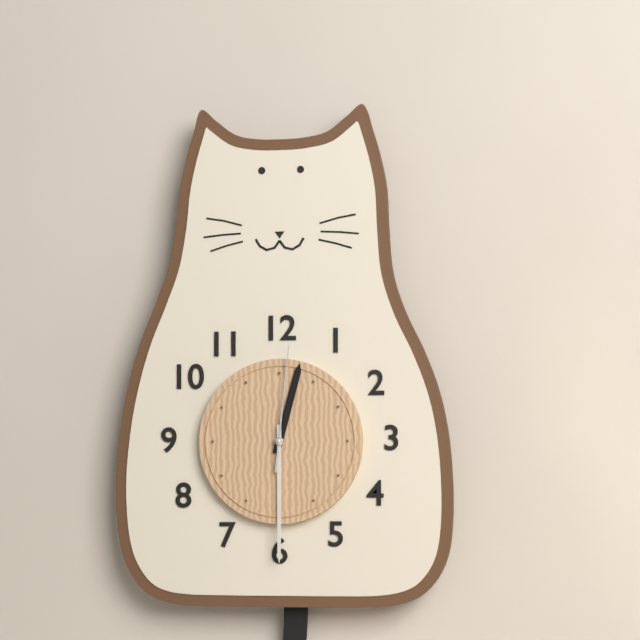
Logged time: 12 h 30 min 01 s
